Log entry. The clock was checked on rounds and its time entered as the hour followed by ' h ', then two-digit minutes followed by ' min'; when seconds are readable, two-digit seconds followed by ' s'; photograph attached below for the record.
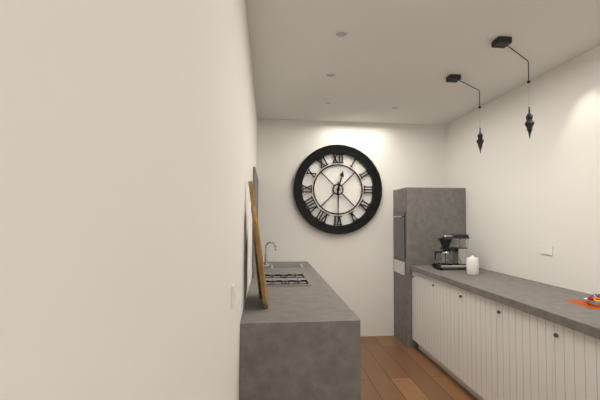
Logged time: 12 h 30 min
